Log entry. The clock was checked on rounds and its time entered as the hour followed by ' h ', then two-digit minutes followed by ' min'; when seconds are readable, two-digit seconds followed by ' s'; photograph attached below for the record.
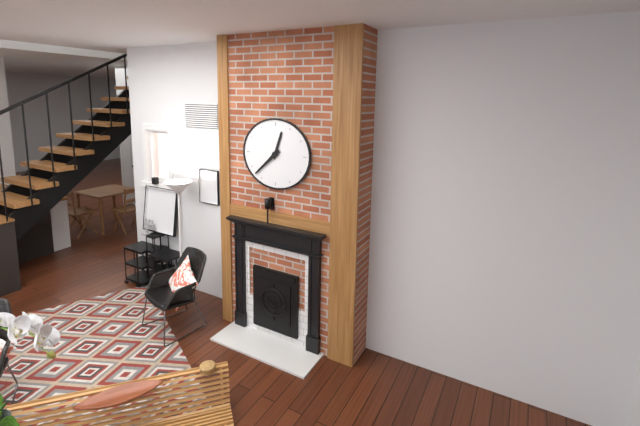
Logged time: 12 h 38 min
